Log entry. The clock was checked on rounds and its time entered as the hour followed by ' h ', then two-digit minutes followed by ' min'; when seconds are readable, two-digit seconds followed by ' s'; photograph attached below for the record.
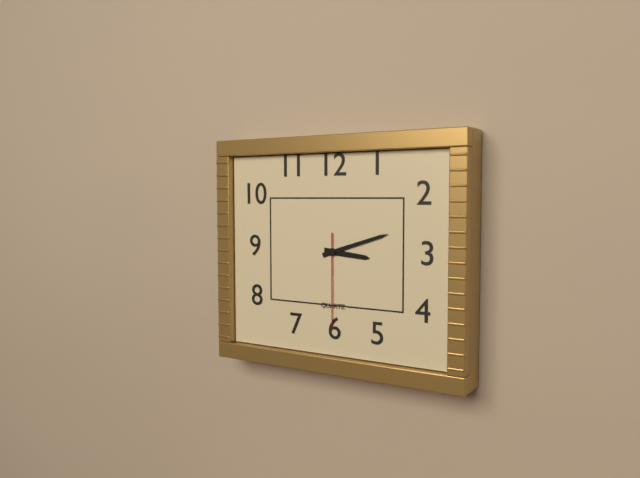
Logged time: 3 h 12 min 30 s
